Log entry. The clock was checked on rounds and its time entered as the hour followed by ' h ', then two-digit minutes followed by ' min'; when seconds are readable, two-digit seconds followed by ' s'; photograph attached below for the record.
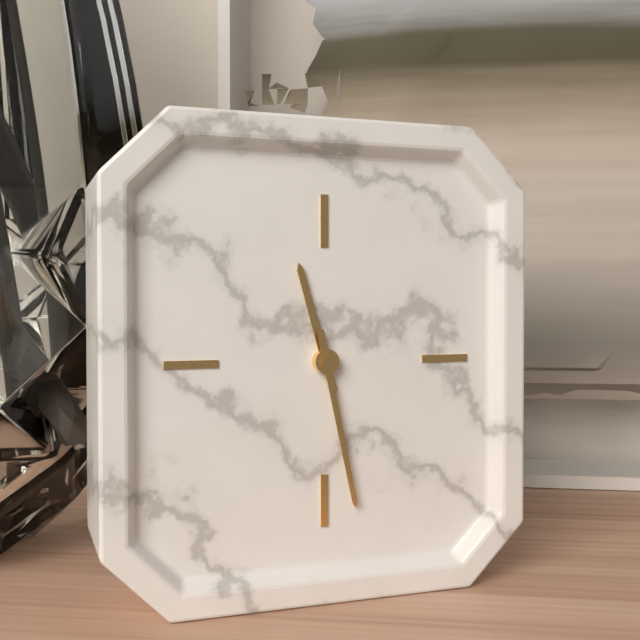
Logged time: 11 h 28 min
